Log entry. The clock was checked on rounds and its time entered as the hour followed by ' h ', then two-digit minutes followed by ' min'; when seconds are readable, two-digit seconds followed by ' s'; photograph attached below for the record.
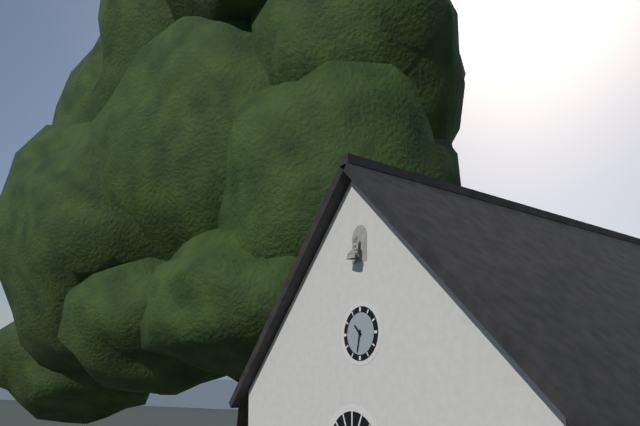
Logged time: 10 h 32 min
